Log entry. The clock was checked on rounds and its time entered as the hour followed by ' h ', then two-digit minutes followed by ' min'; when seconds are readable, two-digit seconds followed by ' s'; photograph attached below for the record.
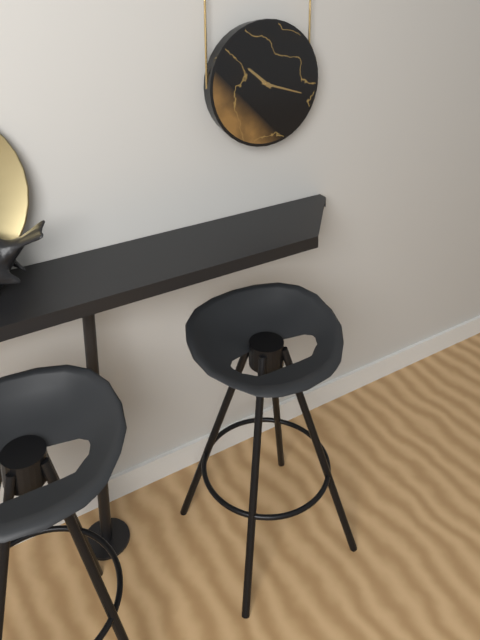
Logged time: 10 h 18 min
